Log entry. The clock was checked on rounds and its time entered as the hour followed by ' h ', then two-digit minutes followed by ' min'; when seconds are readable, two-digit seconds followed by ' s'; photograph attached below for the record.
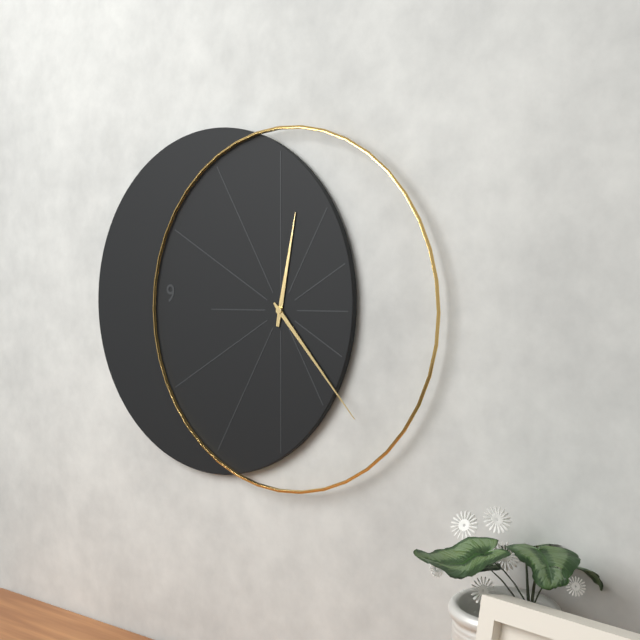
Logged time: 12 h 23 min
